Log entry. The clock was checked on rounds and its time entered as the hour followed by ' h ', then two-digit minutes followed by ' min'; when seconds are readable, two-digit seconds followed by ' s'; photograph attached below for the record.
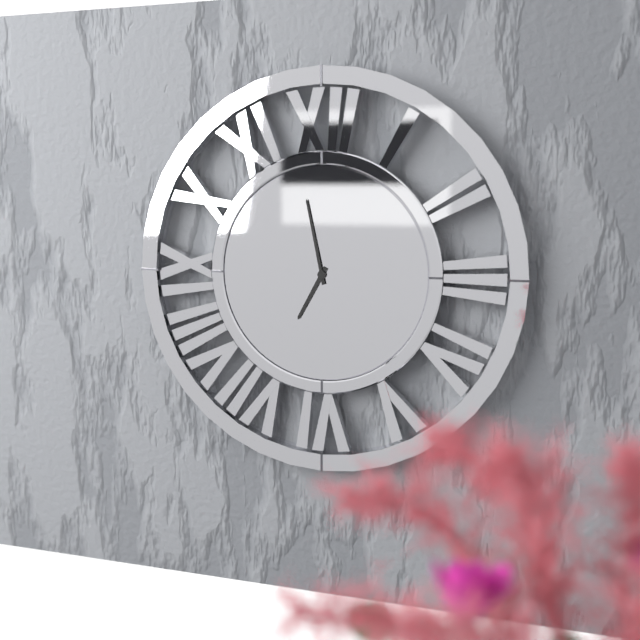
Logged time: 6 h 58 min
